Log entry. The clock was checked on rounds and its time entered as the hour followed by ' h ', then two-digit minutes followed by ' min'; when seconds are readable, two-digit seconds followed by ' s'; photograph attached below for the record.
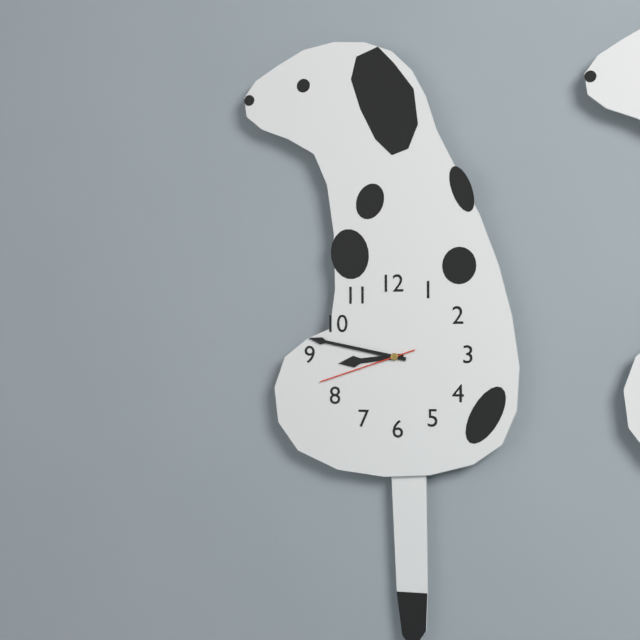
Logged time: 8 h 47 min 42 s
